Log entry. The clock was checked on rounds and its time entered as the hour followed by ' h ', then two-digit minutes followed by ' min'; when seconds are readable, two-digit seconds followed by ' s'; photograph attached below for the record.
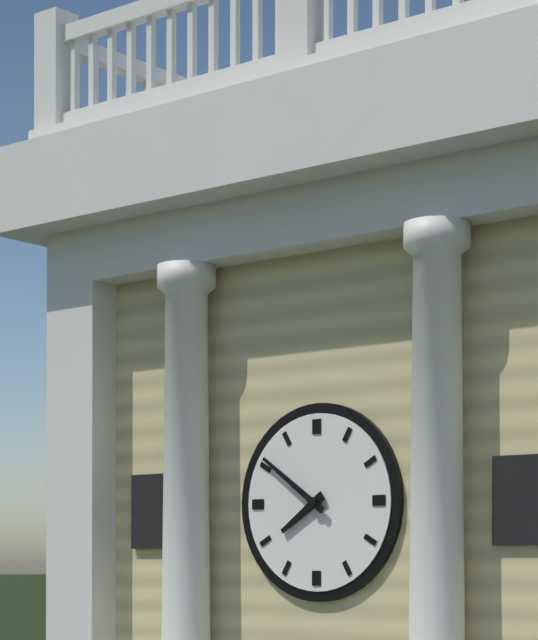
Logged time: 7 h 51 min
